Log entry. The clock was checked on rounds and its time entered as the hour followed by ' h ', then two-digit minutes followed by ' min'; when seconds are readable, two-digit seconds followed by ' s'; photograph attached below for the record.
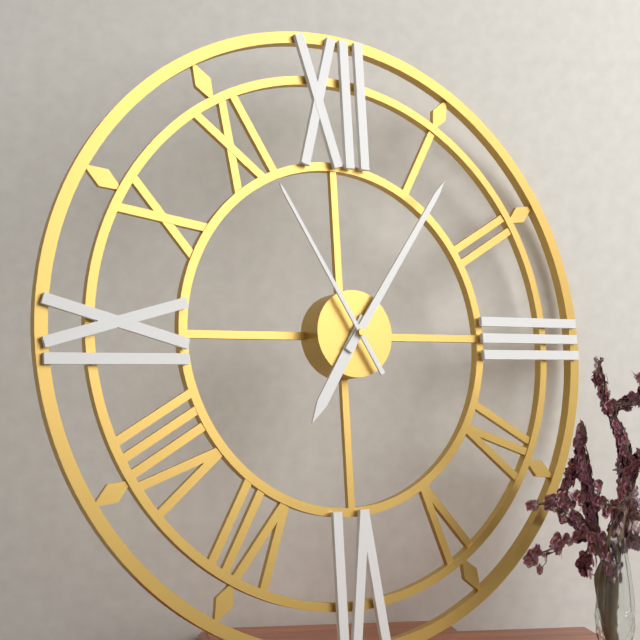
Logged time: 7 h 06 min 55 s
